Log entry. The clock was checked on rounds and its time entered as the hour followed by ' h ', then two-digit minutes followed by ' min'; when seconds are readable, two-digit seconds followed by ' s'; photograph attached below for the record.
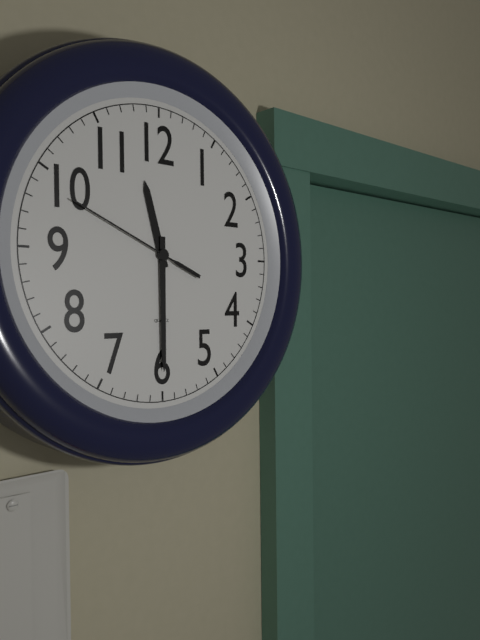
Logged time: 11 h 30 min 49 s
